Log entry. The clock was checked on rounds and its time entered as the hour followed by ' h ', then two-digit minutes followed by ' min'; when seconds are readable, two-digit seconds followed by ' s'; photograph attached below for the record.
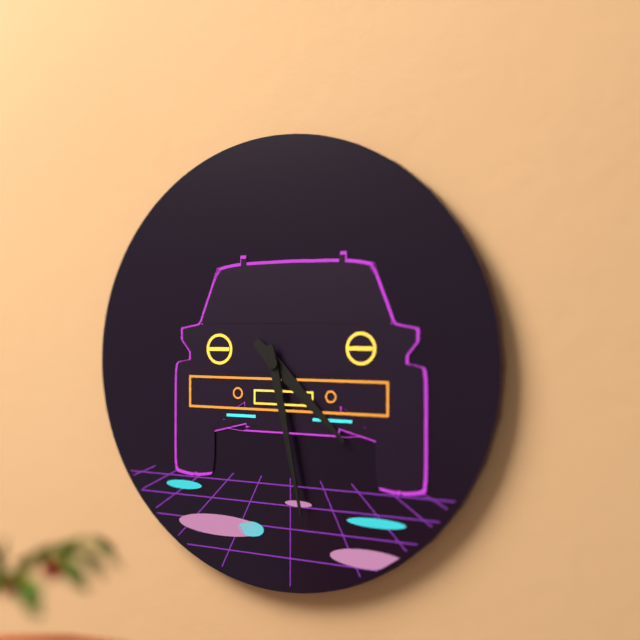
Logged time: 4 h 28 min
